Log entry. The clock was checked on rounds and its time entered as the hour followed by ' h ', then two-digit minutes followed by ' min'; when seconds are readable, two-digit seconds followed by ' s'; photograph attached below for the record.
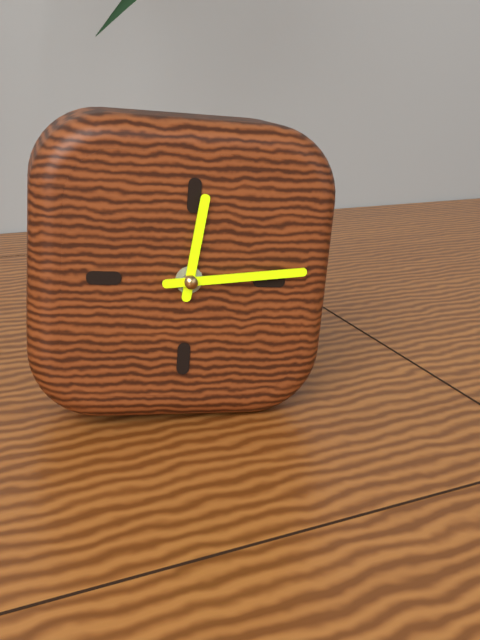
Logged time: 12 h 14 min
